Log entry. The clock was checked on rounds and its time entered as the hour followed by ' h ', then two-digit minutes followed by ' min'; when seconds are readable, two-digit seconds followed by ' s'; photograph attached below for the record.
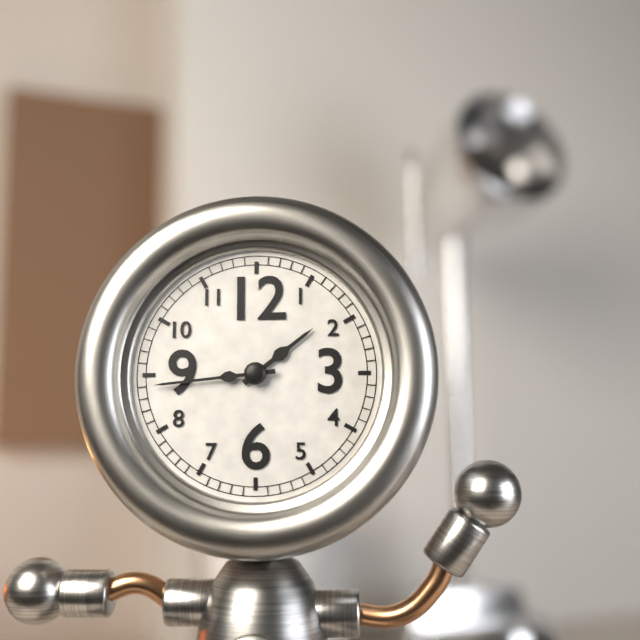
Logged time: 1 h 44 min
